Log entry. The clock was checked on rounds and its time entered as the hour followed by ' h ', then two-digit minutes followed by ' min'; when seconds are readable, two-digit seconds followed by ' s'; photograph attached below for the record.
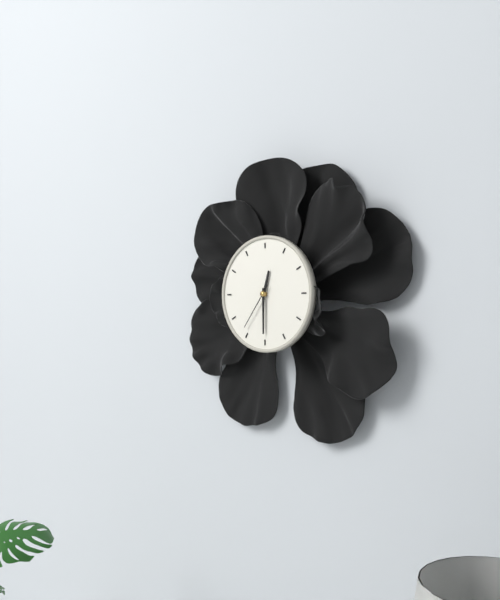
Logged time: 12 h 30 min
